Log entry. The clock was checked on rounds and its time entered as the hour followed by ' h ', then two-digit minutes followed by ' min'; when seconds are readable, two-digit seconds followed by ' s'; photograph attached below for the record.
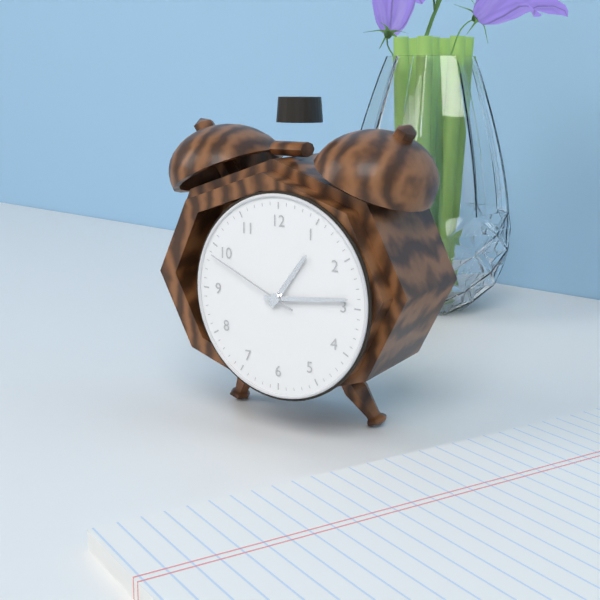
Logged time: 1 h 14 min 49 s
